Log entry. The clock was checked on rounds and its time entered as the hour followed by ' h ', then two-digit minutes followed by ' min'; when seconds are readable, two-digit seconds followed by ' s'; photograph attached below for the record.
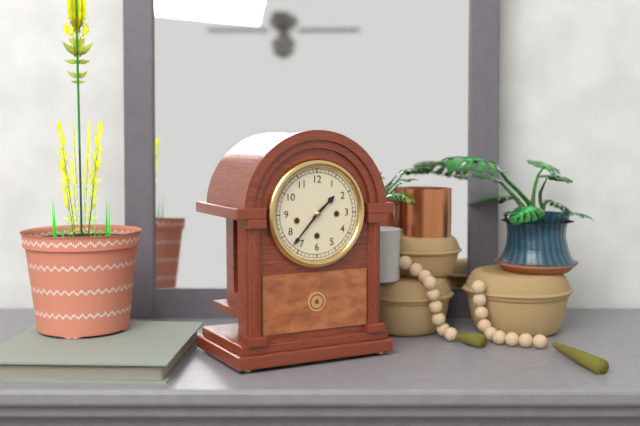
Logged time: 1 h 37 min
